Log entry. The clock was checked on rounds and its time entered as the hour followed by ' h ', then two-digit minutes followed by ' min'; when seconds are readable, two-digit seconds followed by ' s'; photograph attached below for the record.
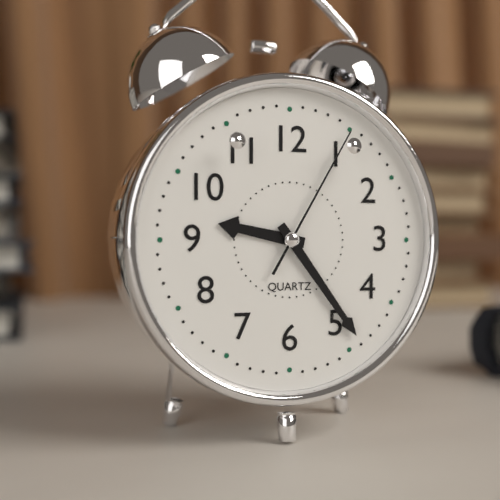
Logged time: 9 h 24 min 05 s
